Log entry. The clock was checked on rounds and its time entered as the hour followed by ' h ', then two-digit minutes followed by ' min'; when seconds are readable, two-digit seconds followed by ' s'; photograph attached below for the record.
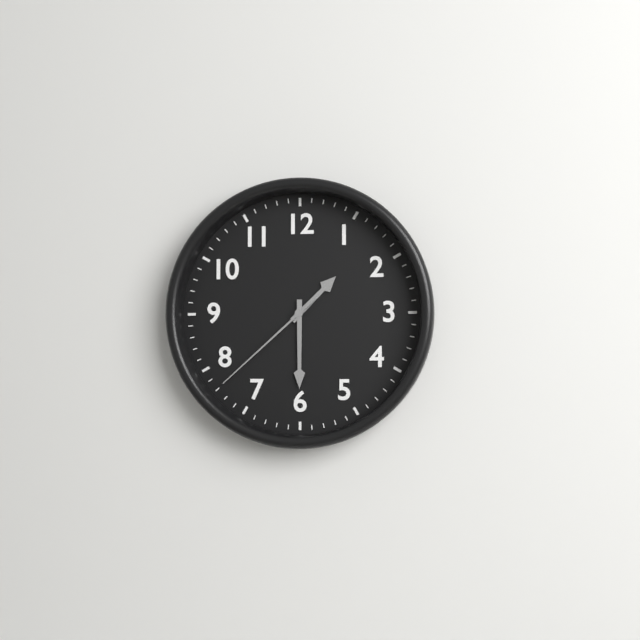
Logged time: 1 h 30 min 38 s
